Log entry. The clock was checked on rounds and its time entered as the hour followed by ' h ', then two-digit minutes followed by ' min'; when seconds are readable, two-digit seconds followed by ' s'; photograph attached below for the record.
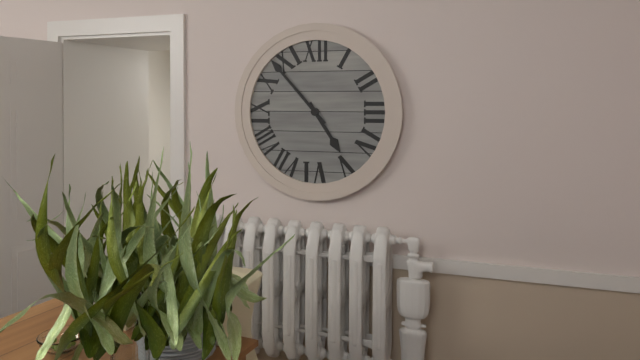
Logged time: 4 h 53 min
